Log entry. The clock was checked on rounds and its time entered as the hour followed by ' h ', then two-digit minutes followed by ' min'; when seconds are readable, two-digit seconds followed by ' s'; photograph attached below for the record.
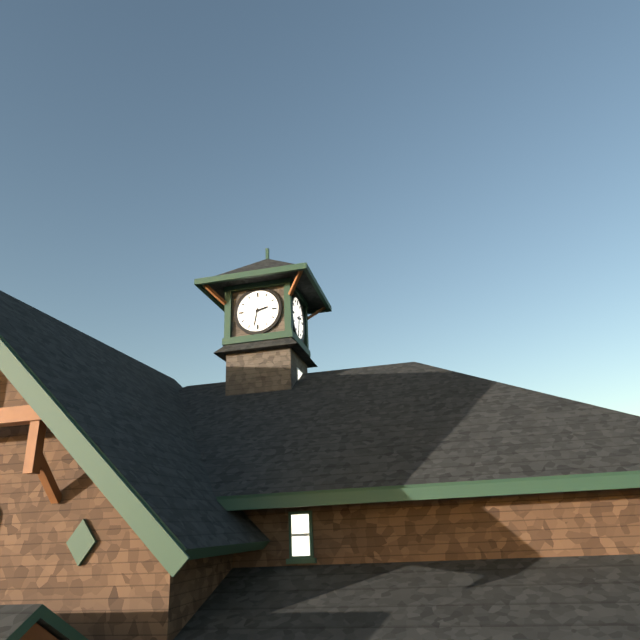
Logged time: 2 h 32 min
